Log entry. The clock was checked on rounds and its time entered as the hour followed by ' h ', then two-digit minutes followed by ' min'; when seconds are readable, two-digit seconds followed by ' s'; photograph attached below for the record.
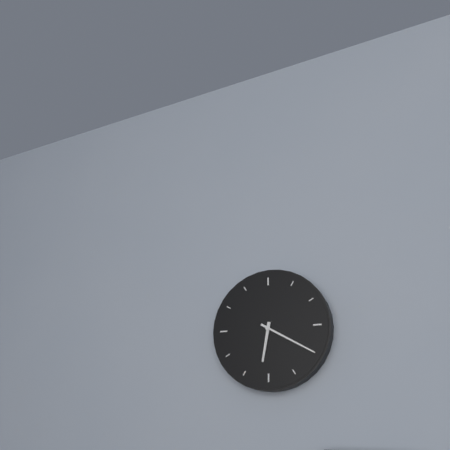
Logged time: 6 h 20 min
